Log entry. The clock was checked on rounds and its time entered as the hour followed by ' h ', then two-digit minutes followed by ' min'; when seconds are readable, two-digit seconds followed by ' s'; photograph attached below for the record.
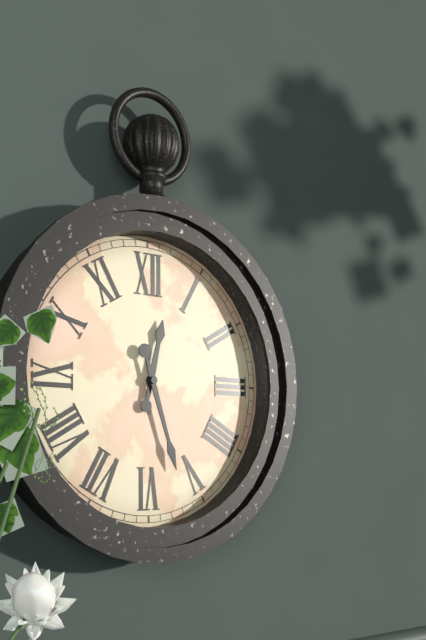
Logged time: 12 h 27 min
